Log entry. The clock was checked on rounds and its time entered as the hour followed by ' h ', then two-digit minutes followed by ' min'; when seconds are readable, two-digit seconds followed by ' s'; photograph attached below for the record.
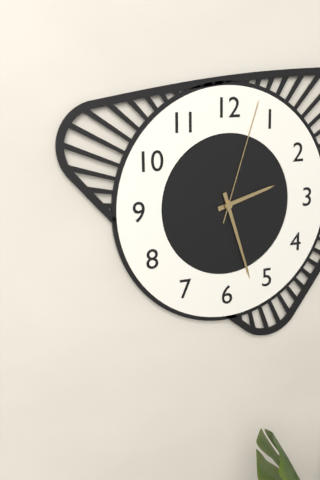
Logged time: 2 h 27 min 03 s
